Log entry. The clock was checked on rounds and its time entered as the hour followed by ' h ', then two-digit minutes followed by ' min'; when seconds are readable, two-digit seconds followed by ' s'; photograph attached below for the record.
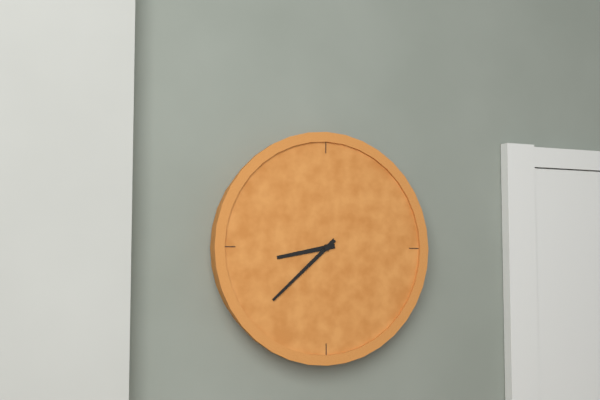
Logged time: 8 h 38 min
